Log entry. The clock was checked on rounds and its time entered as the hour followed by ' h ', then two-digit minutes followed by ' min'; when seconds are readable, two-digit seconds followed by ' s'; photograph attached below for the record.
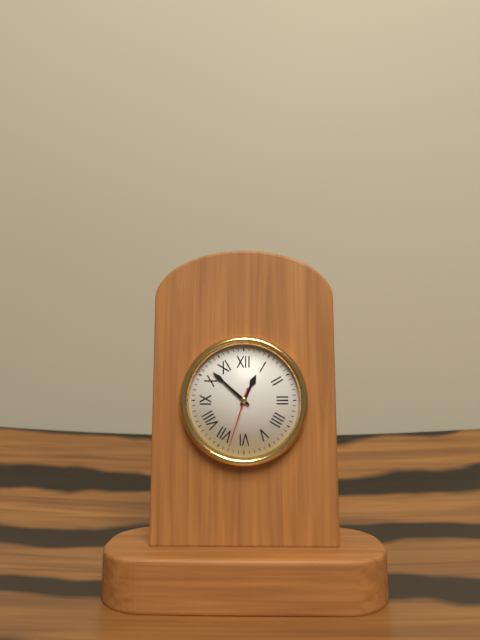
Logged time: 12 h 52 min 33 s
